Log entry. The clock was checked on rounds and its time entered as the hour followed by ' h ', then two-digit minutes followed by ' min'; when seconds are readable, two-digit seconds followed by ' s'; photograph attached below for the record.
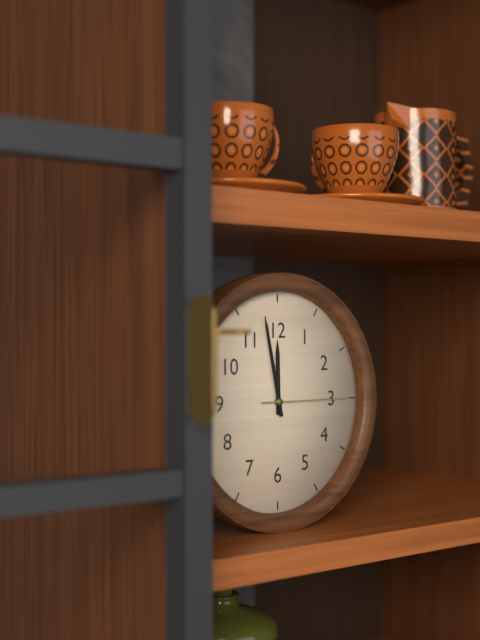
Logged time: 11 h 58 min 15 s
